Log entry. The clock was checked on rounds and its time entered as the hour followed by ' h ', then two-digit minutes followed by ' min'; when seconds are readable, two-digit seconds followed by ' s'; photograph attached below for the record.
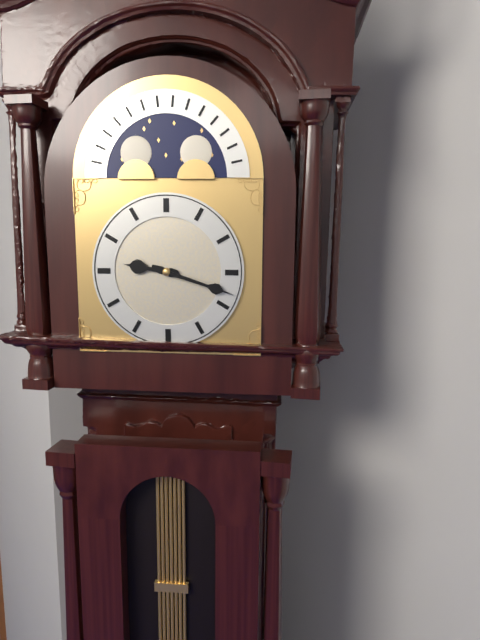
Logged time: 9 h 18 min
